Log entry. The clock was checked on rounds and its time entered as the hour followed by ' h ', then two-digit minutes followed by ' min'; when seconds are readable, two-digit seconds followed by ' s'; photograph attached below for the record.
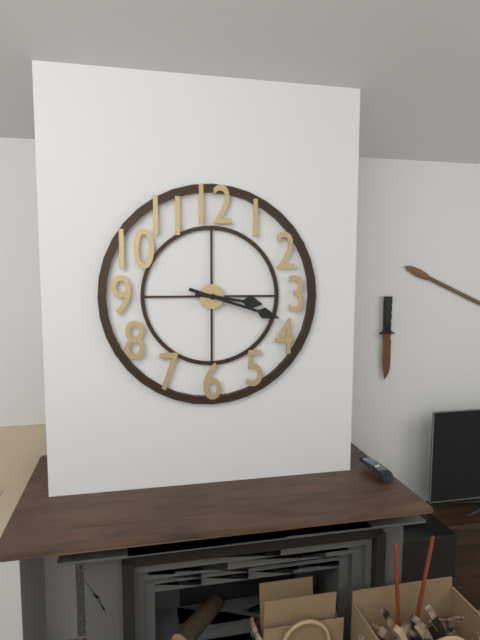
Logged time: 3 h 18 min
